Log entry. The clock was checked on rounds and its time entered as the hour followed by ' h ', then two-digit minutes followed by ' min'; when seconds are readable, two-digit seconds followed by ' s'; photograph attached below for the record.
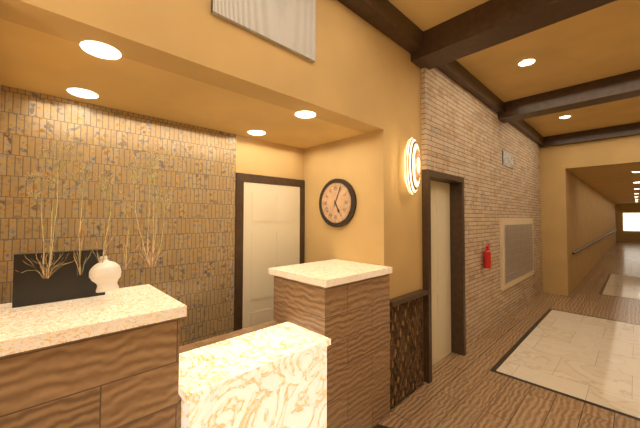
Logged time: 5 h 04 min
